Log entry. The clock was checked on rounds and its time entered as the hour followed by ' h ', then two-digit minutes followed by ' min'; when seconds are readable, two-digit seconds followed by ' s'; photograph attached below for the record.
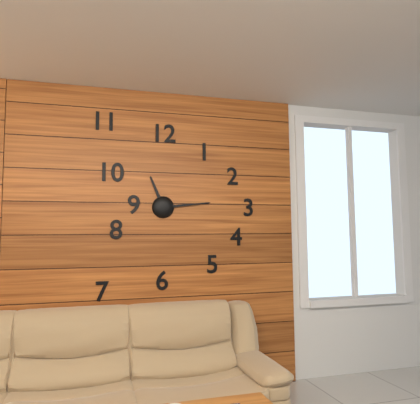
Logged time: 11 h 14 min
